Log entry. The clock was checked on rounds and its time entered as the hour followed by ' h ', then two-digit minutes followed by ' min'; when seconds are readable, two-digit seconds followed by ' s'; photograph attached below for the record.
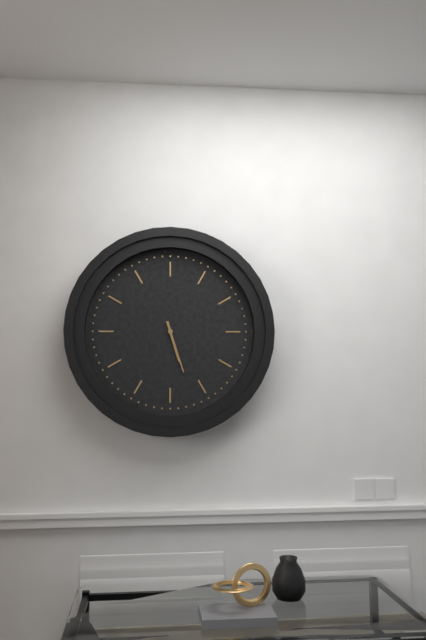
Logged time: 5 h 27 min
